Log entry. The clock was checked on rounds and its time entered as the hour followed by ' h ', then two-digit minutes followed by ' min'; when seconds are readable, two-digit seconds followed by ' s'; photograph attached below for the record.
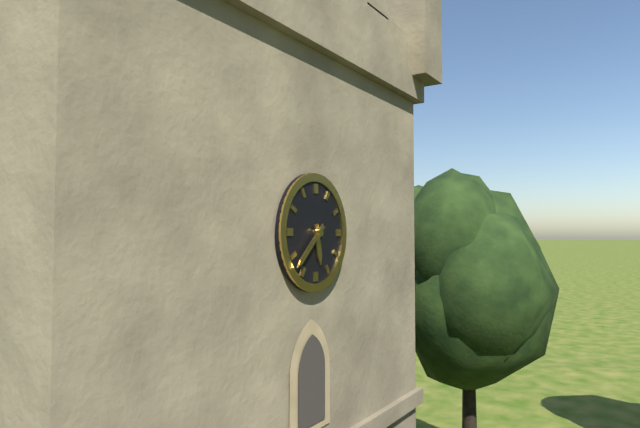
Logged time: 5 h 38 min
